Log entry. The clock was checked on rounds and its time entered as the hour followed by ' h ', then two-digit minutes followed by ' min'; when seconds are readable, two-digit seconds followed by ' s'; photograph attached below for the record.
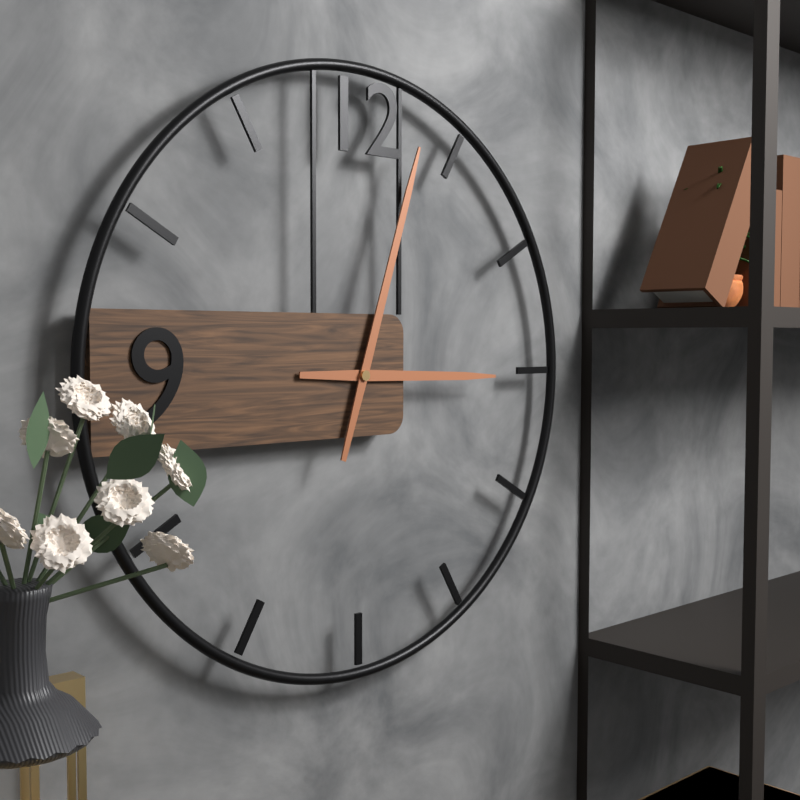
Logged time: 3 h 03 min
